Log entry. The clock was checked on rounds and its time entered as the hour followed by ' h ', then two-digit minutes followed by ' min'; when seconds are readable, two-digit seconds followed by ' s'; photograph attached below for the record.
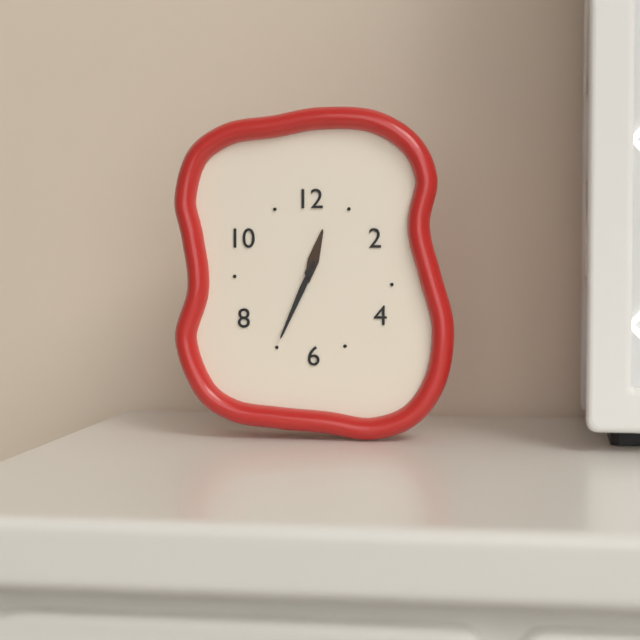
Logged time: 12 h 34 min
